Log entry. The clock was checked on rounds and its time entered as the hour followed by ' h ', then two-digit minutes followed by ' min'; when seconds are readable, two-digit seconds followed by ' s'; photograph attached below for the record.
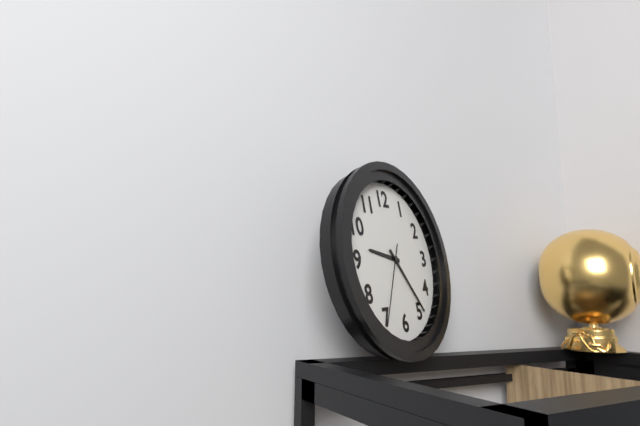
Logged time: 9 h 24 min 35 s
